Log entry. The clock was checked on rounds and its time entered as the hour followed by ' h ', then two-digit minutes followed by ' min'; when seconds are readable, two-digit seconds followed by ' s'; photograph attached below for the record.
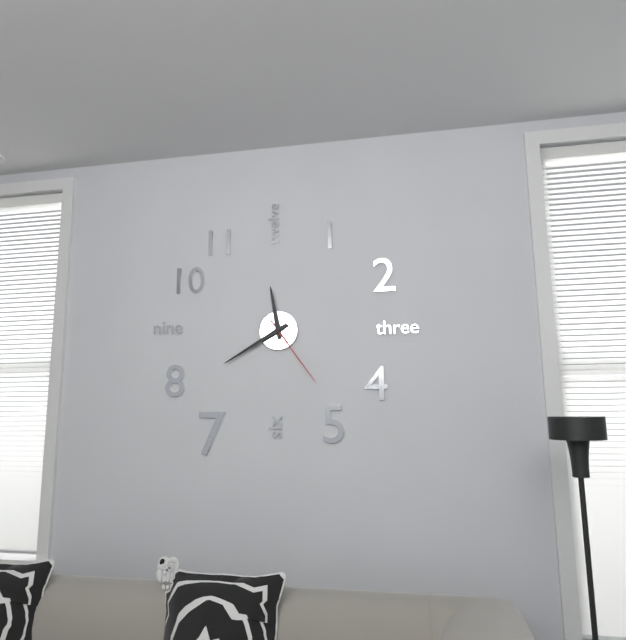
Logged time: 11 h 40 min 24 s
